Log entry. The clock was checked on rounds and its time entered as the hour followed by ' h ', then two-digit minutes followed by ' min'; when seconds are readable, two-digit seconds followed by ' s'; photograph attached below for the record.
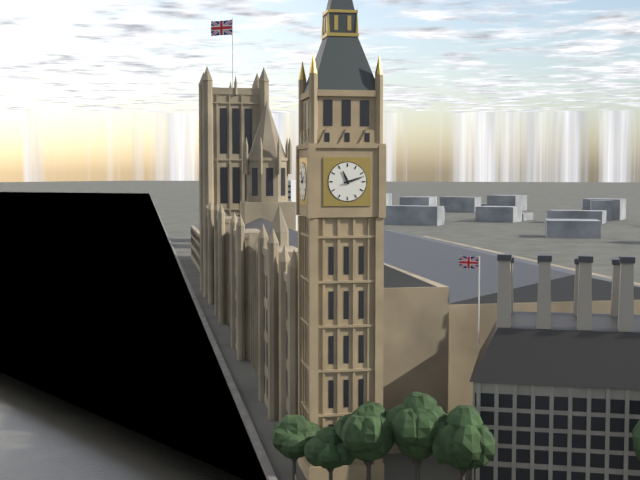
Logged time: 11 h 12 min
